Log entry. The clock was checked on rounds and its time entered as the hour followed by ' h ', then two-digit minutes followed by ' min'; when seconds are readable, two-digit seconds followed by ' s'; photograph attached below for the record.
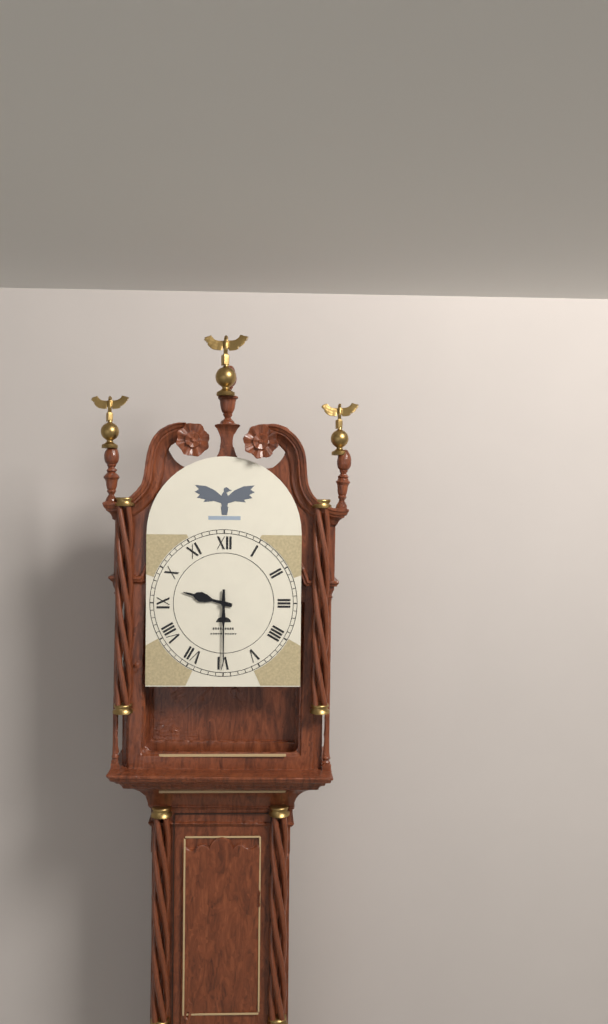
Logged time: 9 h 30 min
